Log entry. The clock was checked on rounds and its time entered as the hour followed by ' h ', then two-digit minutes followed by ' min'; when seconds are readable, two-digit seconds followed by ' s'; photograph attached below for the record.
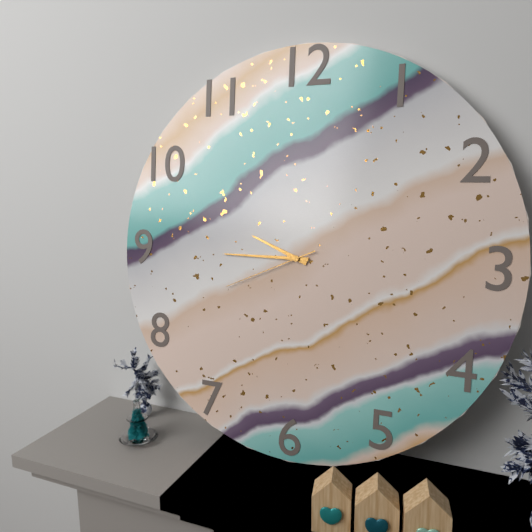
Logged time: 9 h 45 min 41 s
